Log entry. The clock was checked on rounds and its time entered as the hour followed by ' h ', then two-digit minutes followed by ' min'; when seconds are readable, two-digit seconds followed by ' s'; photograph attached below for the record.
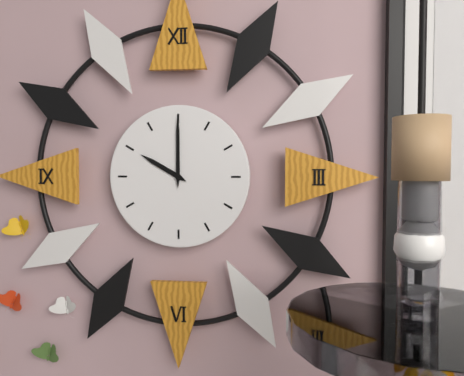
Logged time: 10 h 00 min
